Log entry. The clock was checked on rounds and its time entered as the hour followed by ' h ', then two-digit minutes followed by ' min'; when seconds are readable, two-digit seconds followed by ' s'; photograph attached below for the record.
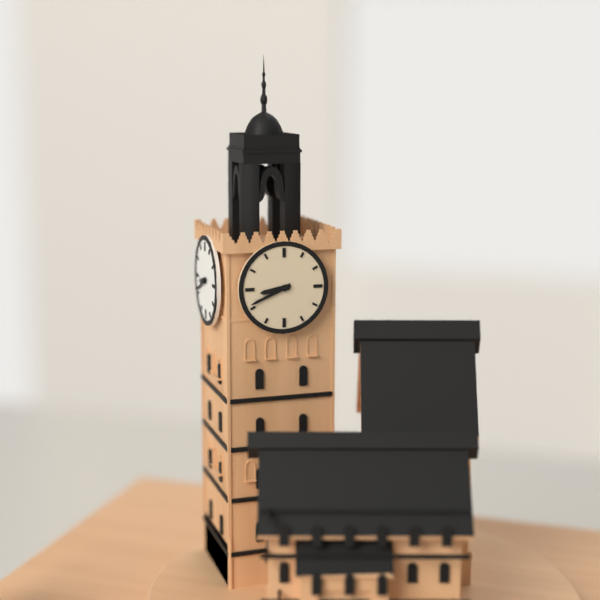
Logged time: 8 h 41 min
